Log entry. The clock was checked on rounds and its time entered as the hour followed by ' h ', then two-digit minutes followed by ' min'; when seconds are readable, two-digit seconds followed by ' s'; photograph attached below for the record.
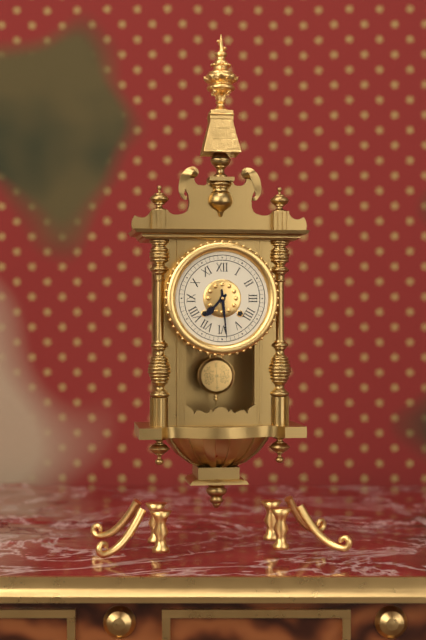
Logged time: 7 h 29 min
